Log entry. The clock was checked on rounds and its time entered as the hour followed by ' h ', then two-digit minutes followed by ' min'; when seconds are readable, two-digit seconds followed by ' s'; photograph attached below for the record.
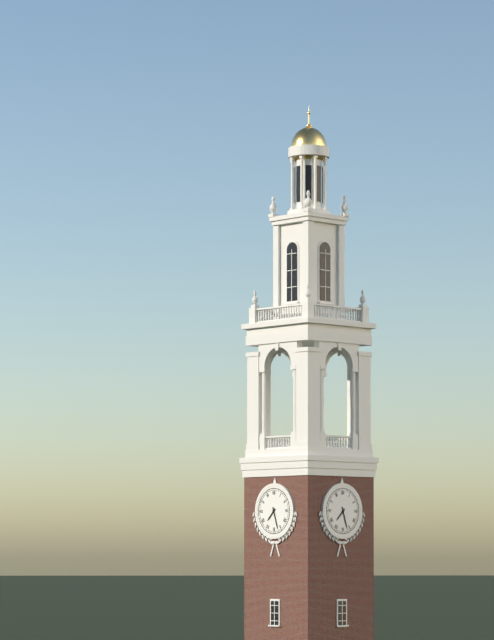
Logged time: 7 h 27 min
